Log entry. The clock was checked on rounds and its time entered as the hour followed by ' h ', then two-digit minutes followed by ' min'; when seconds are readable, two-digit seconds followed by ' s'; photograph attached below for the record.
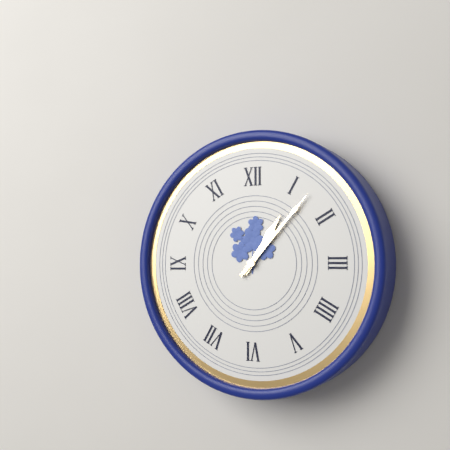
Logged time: 1 h 07 min
